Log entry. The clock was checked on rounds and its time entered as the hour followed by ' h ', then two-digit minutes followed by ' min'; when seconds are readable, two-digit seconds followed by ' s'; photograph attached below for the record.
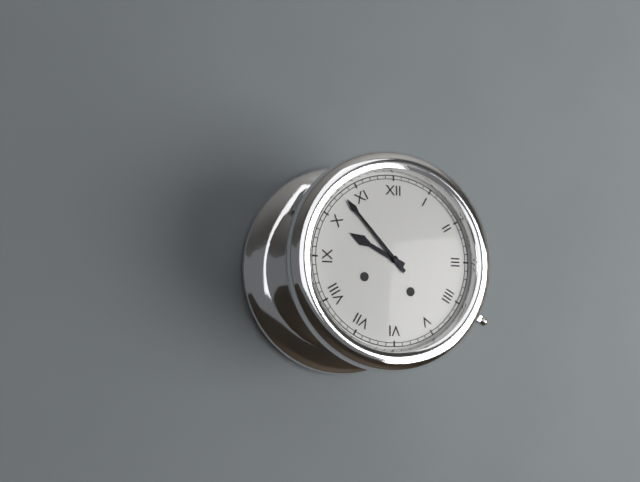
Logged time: 9 h 53 min
